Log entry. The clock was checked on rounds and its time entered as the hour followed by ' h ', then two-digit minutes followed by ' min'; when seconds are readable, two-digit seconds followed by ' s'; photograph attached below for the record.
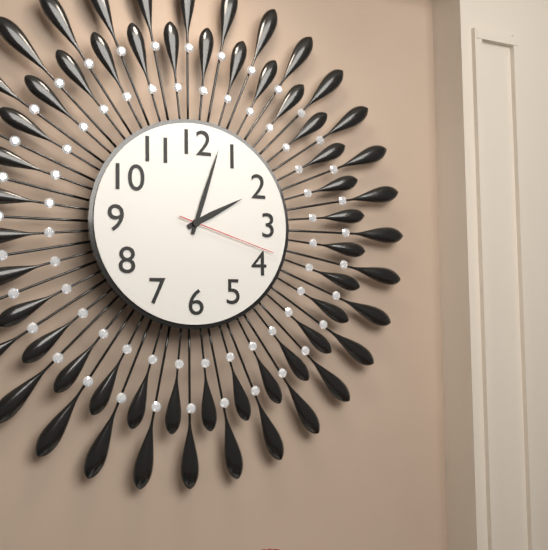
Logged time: 2 h 03 min 18 s
